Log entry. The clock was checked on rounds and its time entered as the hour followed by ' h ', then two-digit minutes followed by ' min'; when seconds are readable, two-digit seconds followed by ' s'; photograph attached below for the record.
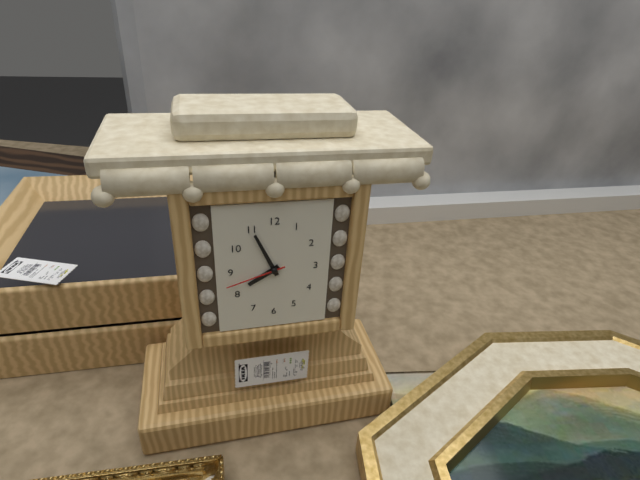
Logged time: 7 h 56 min 42 s
